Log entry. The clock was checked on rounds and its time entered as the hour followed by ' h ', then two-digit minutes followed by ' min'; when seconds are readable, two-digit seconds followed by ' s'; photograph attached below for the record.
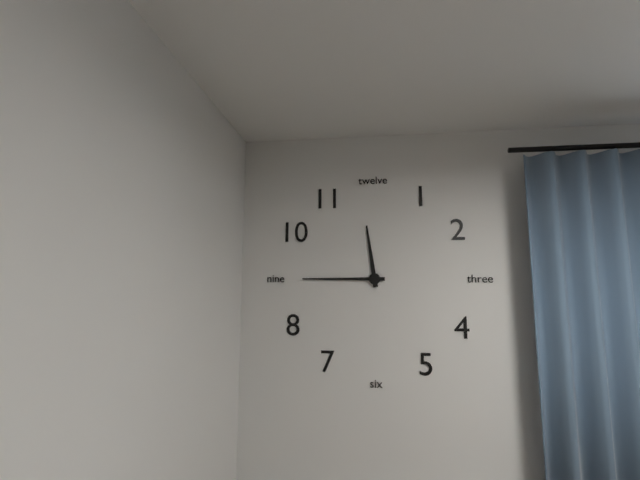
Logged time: 11 h 45 min
